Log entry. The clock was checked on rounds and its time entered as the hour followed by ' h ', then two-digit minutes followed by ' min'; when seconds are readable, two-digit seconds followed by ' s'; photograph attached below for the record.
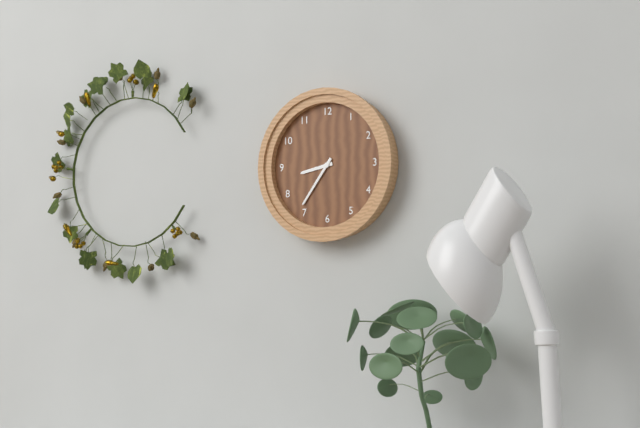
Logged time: 8 h 36 min
